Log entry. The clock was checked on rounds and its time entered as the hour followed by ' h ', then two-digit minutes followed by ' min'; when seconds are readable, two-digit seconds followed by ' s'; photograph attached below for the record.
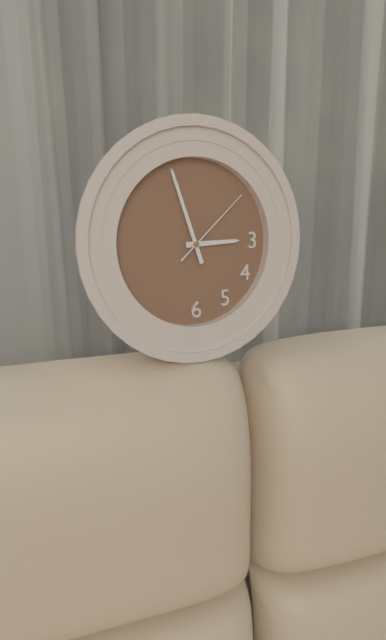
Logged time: 2 h 57 min 08 s
